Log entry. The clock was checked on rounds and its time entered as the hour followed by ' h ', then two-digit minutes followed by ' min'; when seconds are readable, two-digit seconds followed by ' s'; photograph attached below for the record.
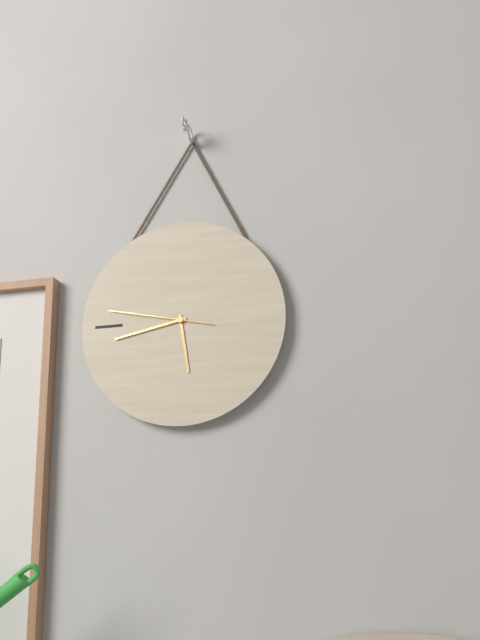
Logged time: 5 h 43 min 47 s
